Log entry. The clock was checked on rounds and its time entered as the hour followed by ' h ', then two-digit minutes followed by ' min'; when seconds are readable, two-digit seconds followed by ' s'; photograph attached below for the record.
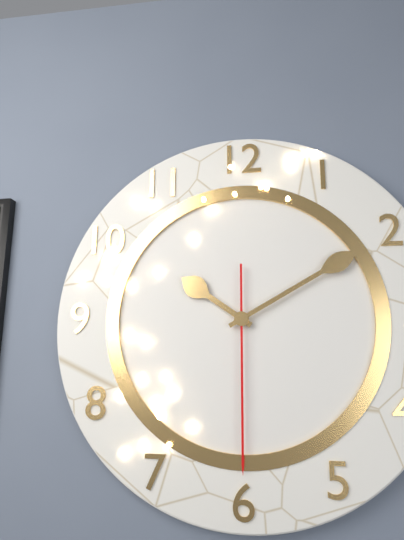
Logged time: 10 h 10 min 30 s
